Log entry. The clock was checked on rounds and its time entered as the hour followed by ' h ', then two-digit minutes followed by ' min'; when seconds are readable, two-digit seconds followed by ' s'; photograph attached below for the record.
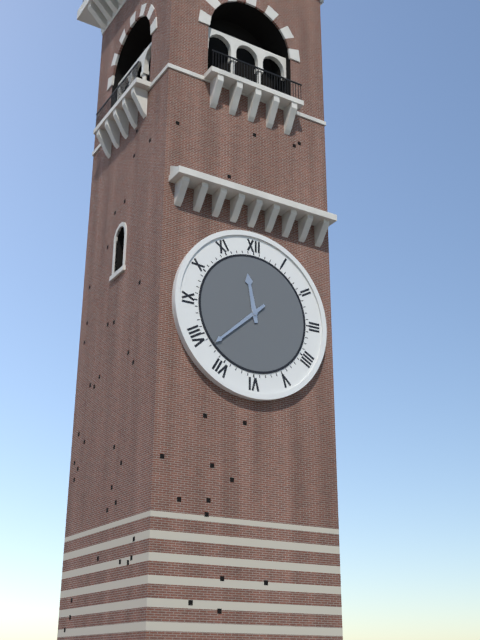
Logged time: 11 h 38 min
